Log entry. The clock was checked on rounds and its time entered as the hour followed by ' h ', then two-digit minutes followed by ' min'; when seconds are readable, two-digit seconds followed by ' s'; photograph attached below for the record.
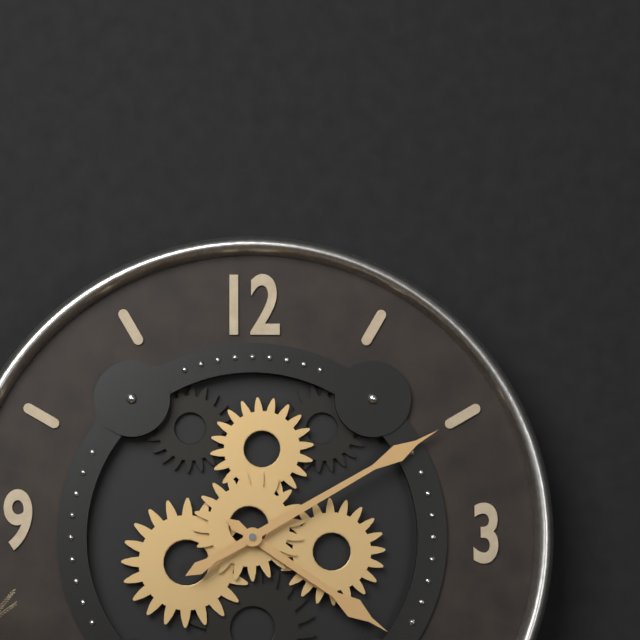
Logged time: 4 h 10 min
